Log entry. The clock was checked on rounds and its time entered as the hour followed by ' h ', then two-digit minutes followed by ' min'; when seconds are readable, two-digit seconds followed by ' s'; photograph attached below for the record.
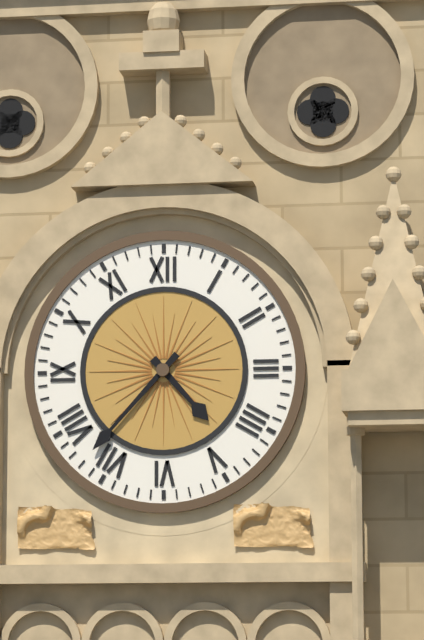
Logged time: 4 h 37 min
